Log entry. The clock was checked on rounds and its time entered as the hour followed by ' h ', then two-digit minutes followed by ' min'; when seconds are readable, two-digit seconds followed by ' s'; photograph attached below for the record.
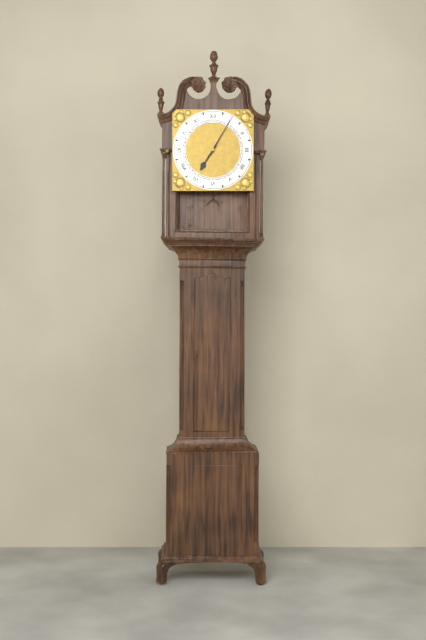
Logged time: 7 h 05 min
